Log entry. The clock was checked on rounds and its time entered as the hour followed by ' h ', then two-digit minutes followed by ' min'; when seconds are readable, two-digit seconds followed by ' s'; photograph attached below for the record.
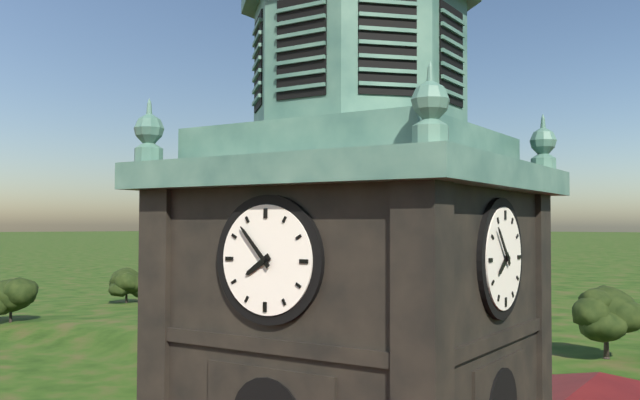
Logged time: 7 h 53 min
